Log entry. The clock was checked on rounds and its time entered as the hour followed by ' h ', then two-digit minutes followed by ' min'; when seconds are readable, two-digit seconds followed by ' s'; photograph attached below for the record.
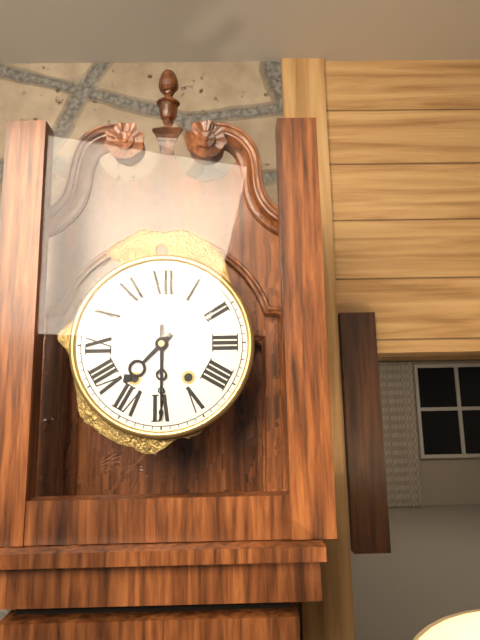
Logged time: 7 h 30 min
